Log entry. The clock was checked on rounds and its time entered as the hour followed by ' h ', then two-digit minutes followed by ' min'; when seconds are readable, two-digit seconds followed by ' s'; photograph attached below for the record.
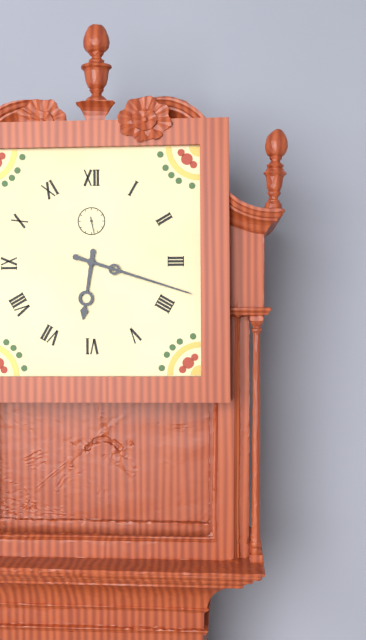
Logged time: 6 h 18 min
